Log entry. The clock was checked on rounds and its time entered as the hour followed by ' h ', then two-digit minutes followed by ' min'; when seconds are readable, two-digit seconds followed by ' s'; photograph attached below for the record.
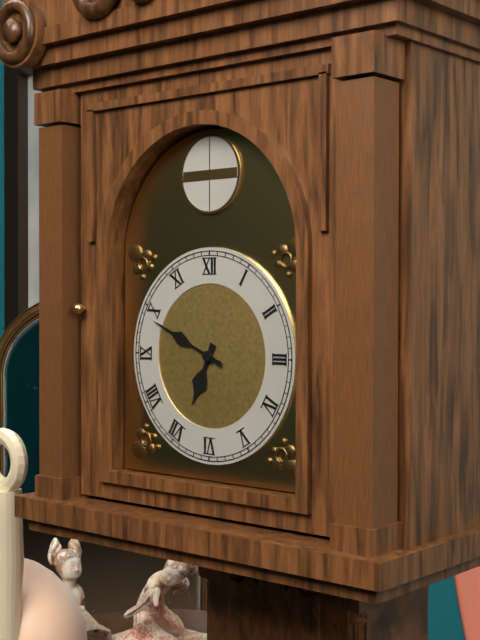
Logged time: 6 h 49 min
